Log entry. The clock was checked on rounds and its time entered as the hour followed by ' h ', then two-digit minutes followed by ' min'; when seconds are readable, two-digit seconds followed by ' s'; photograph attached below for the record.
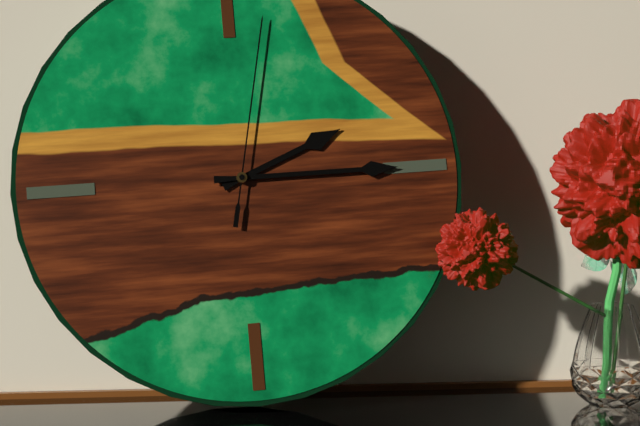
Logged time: 2 h 15 min 02 s
